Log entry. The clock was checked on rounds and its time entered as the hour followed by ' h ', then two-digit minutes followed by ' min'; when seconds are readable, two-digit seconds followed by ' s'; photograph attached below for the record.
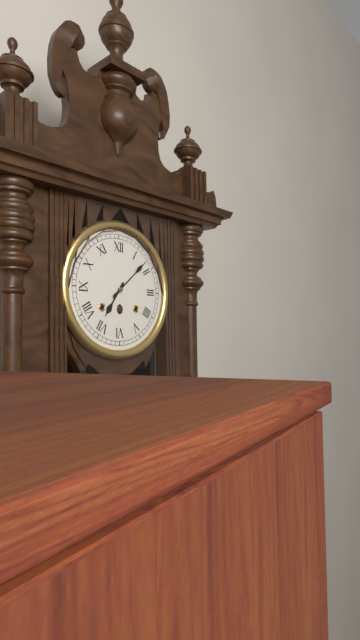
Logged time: 7 h 08 min
